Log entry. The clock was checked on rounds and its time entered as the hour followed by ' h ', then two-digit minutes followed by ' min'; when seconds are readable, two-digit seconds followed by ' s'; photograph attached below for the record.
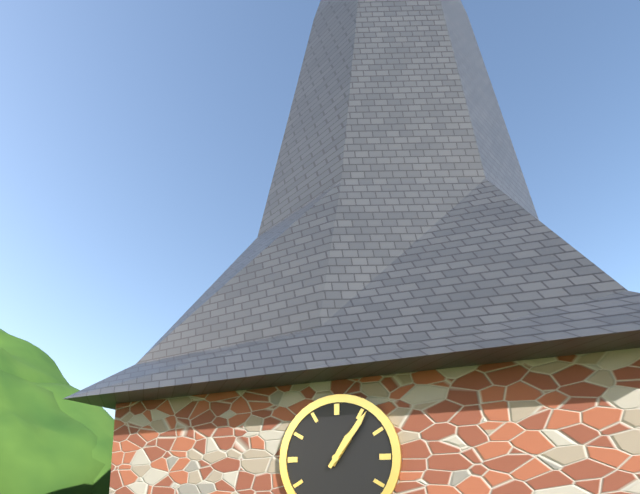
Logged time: 1 h 06 min
